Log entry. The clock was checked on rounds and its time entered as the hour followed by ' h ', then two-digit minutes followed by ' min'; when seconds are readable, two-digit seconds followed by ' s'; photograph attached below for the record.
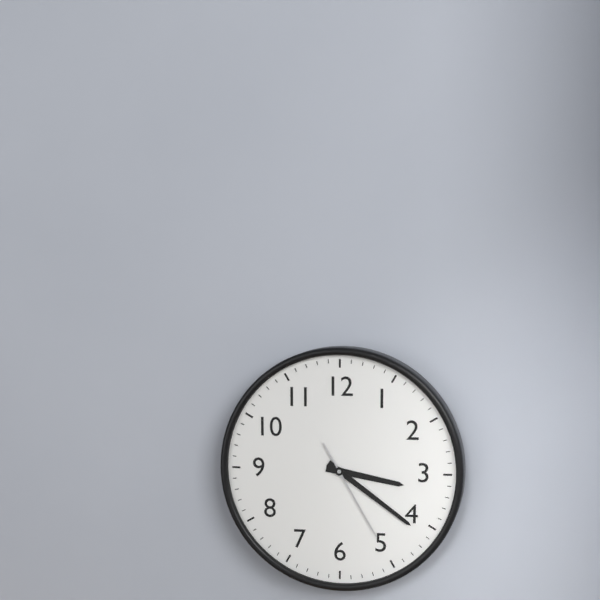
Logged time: 3 h 21 min 25 s
